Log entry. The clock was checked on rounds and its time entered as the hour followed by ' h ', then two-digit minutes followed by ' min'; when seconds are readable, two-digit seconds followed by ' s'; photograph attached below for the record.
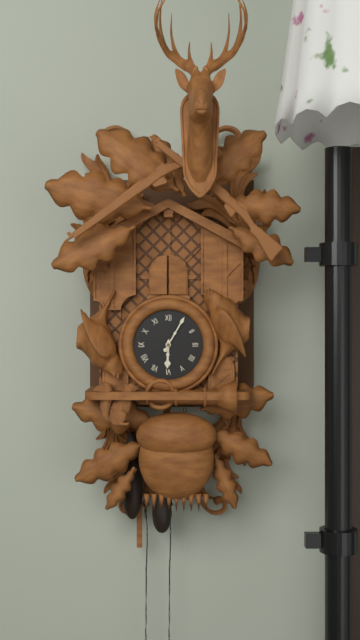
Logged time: 6 h 05 min
